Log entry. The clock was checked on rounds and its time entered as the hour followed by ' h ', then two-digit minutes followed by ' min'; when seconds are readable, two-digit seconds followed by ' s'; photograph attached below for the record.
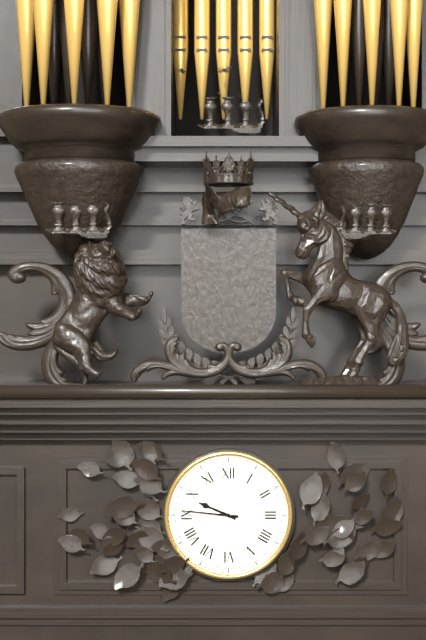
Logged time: 9 h 46 min
